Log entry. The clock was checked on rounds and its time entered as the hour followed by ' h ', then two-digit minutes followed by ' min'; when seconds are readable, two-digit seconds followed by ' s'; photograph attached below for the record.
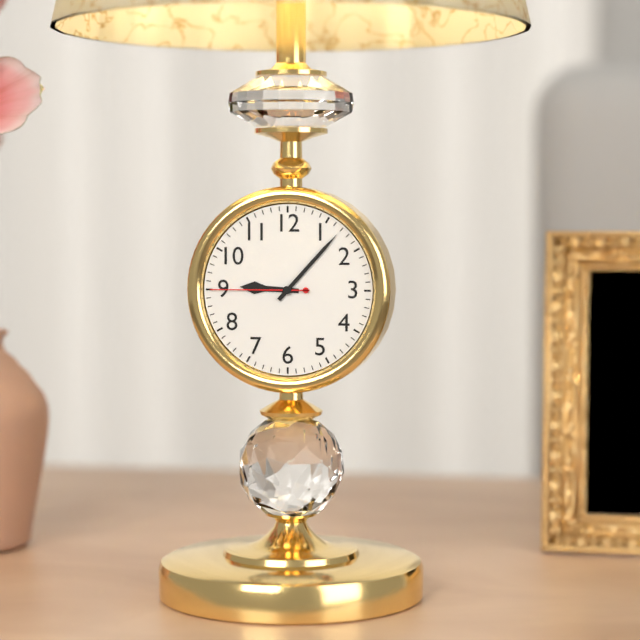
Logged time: 9 h 07 min 45 s
